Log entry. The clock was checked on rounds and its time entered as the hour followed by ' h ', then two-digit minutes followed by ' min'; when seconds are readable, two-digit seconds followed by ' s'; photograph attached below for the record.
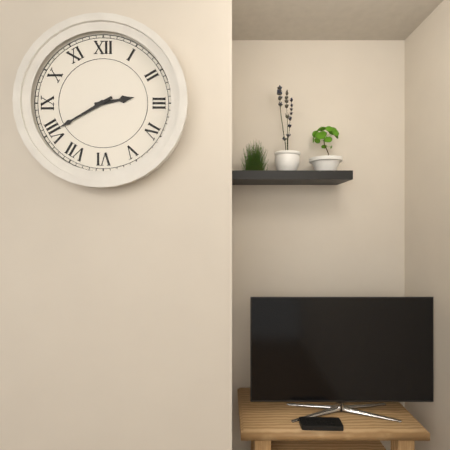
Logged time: 2 h 40 min
